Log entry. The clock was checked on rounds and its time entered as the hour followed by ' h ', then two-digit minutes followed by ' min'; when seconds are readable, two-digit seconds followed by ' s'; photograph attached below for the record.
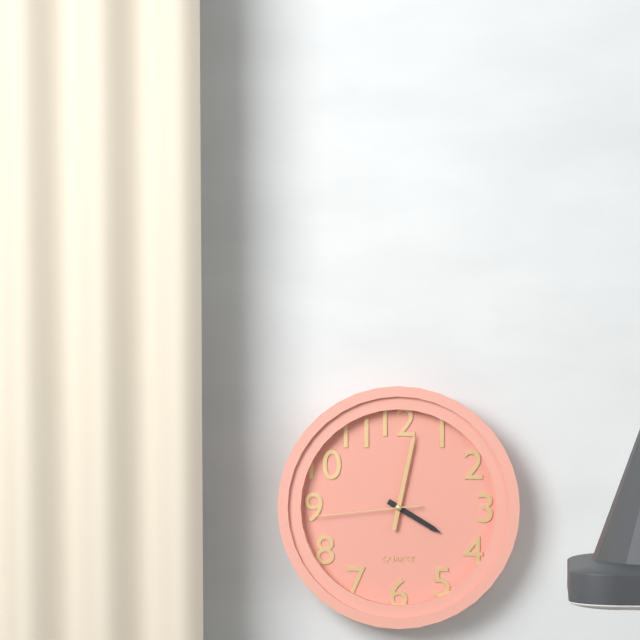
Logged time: 4 h 02 min 44 s
